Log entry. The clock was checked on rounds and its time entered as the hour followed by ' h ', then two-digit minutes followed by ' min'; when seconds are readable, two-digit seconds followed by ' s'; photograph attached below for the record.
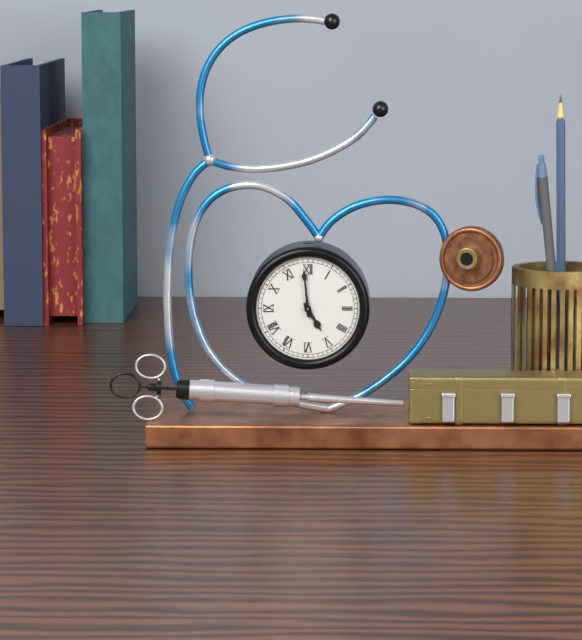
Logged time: 4 h 59 min
